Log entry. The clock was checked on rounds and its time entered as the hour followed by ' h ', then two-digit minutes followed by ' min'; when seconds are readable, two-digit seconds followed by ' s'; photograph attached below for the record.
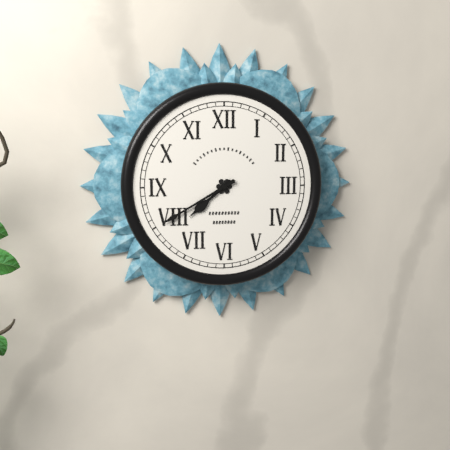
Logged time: 7 h 40 min
